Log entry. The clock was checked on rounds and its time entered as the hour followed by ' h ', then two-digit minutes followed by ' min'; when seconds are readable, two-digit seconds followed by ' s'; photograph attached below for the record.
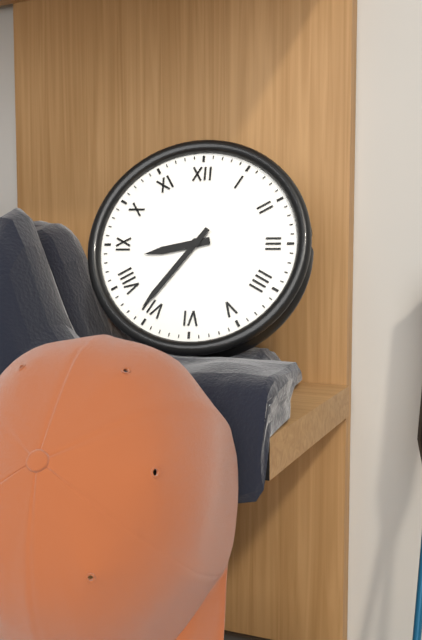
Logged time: 8 h 36 min
